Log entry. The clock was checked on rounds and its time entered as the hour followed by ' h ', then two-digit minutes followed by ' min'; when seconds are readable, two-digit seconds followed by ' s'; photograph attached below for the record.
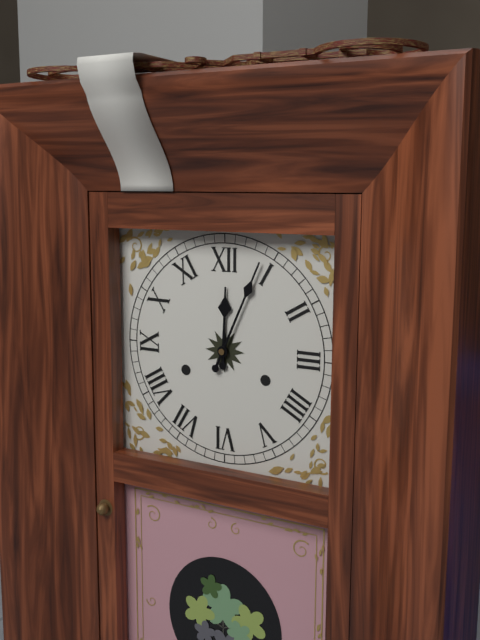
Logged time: 12 h 04 min
